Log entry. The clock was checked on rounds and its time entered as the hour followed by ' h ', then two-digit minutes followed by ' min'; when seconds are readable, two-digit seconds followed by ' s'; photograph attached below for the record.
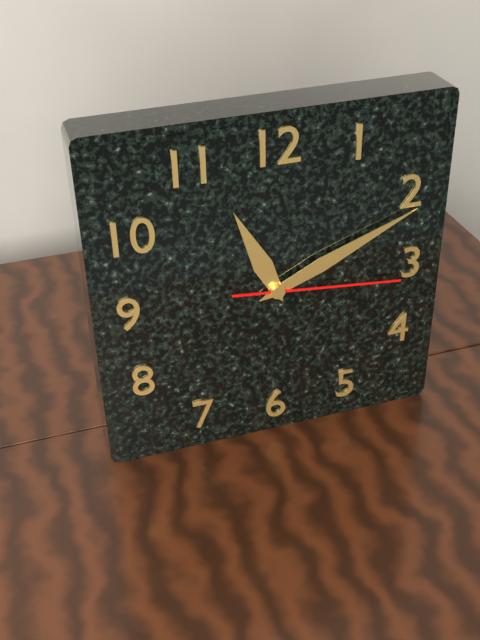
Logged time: 11 h 11 min 16 s
